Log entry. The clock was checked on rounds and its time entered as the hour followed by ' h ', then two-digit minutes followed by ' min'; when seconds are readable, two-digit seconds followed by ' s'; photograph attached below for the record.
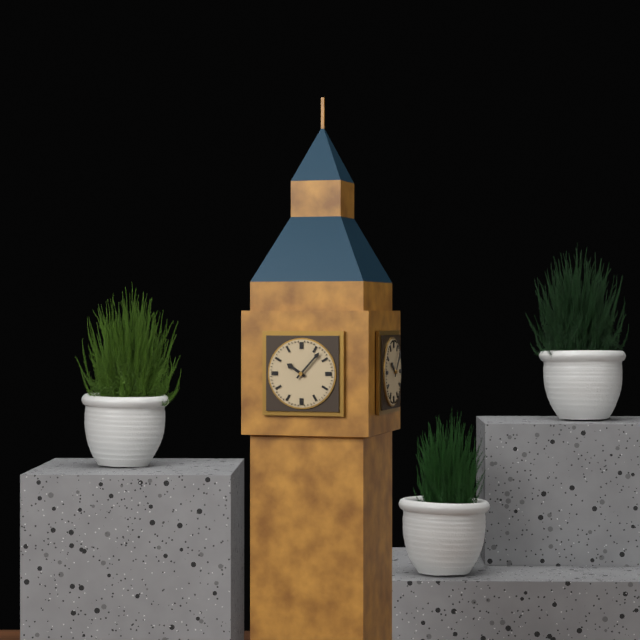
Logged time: 10 h 07 min
